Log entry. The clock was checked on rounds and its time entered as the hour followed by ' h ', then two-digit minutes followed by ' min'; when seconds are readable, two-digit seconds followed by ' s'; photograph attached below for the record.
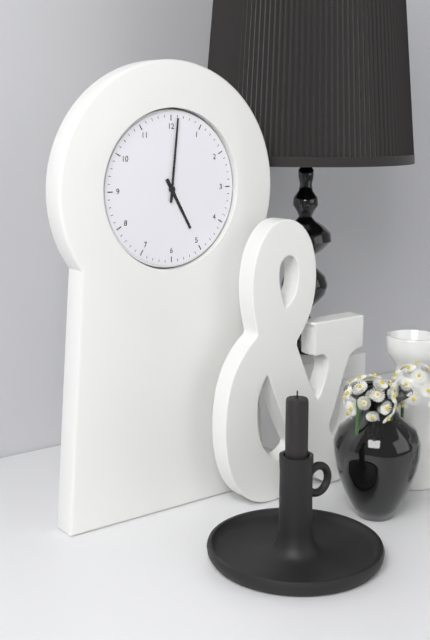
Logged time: 5 h 01 min
